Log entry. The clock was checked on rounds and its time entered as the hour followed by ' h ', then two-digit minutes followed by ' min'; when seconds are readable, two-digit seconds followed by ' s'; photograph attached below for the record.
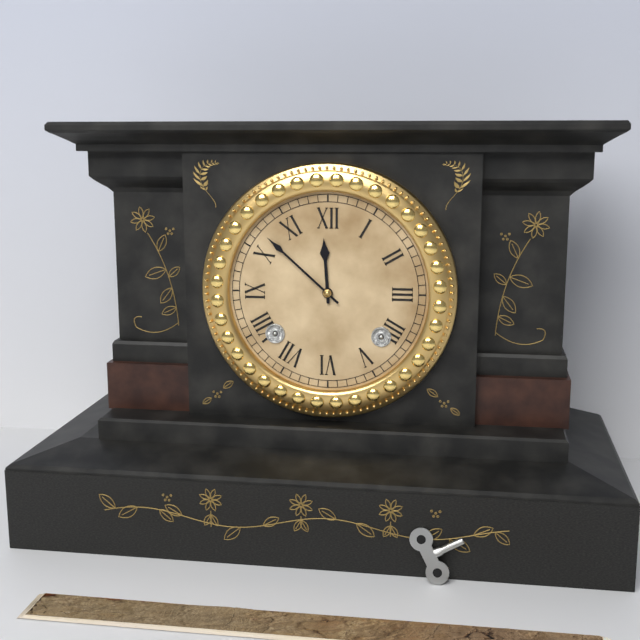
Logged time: 11 h 52 min
